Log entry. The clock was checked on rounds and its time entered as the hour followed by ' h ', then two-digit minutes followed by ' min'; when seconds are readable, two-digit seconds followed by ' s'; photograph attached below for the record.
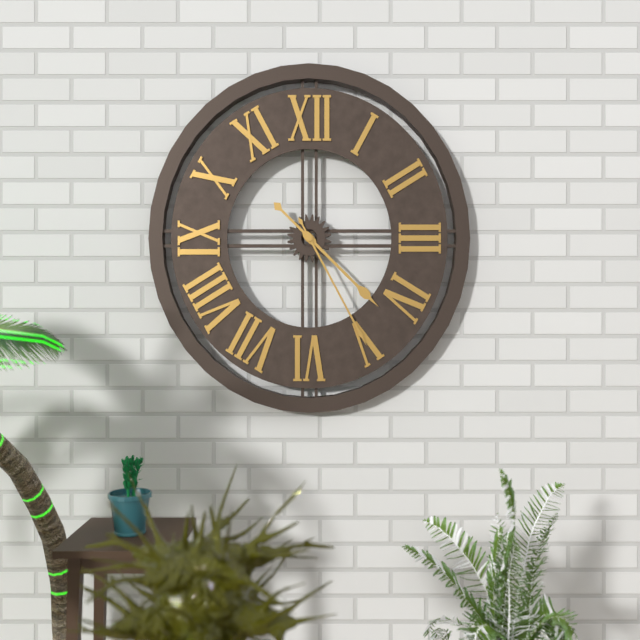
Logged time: 4 h 25 min
